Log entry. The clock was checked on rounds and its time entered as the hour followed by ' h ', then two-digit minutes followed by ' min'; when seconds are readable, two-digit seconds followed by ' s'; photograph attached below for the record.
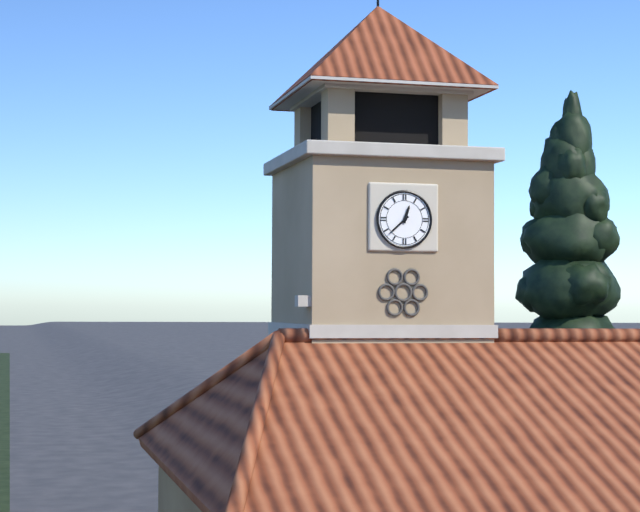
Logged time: 12 h 38 min
